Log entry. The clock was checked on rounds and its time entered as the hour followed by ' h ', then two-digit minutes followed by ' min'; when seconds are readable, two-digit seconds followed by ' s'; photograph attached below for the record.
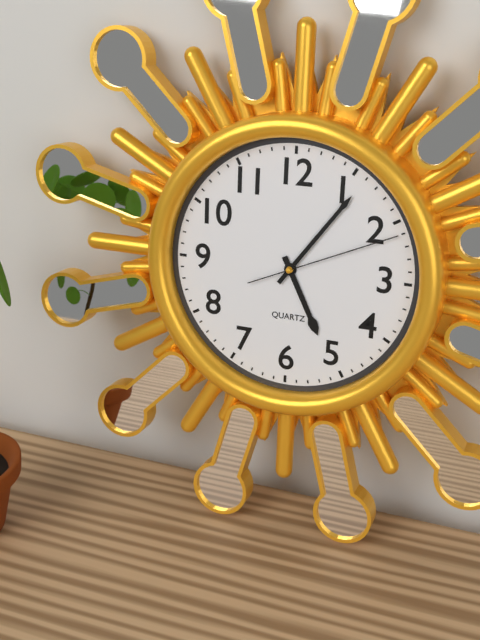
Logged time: 5 h 06 min 11 s
